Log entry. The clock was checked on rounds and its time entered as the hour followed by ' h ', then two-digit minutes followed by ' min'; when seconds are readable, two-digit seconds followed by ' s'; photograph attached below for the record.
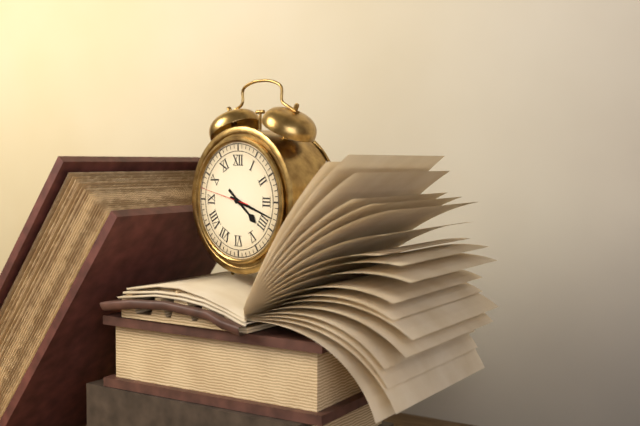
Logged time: 4 h 18 min
